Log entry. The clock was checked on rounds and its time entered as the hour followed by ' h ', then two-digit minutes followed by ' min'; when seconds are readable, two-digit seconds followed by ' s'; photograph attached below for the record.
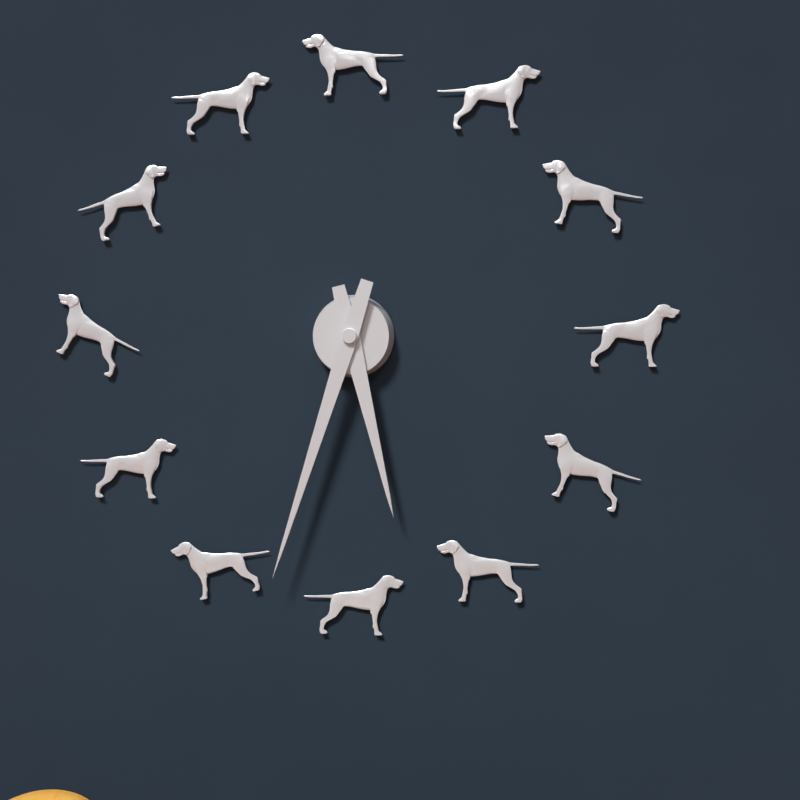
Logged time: 5 h 33 min
